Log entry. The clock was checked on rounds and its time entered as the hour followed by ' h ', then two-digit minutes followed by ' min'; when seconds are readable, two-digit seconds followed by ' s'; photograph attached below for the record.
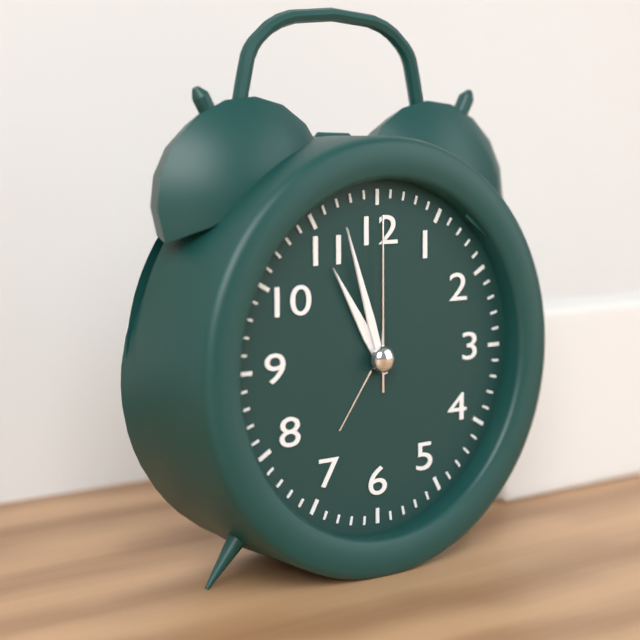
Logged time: 10 h 57 min 00 s
